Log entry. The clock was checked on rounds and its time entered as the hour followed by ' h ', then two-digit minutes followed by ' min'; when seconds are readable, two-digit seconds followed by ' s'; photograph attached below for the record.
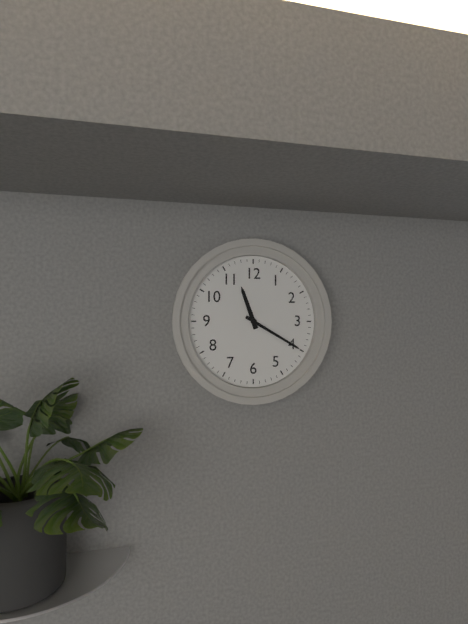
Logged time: 11 h 20 min
